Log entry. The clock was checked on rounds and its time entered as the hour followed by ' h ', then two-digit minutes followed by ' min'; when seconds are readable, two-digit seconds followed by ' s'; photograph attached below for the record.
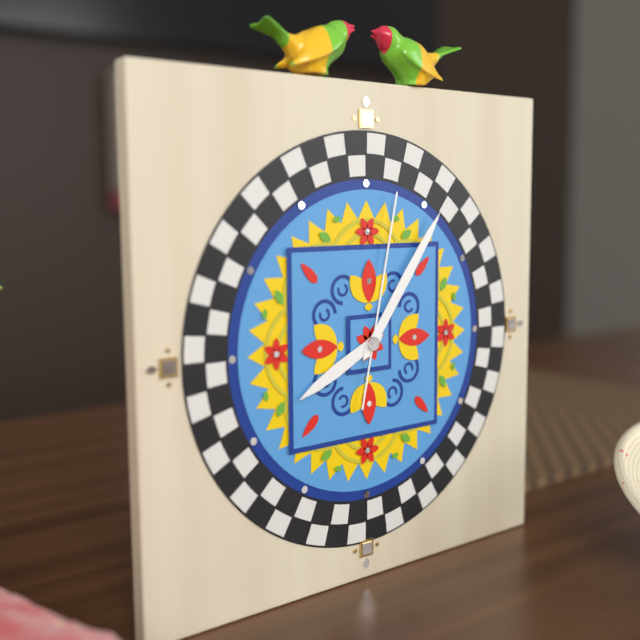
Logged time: 8 h 06 min 02 s
